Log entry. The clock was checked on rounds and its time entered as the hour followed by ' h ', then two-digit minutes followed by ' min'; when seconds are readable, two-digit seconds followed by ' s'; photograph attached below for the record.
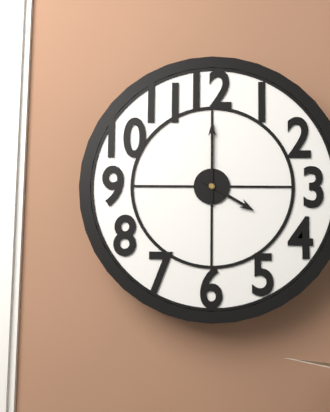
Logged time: 4 h 00 min
